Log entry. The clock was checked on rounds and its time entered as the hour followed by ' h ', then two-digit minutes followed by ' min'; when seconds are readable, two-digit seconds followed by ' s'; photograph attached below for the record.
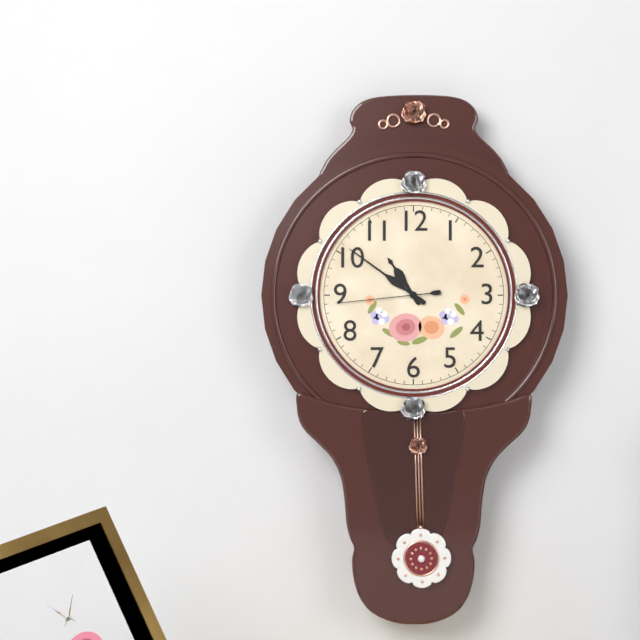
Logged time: 10 h 51 min 44 s
